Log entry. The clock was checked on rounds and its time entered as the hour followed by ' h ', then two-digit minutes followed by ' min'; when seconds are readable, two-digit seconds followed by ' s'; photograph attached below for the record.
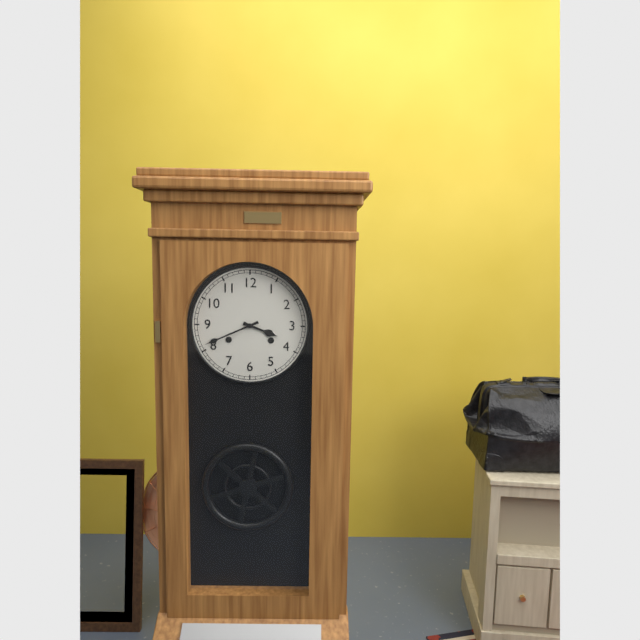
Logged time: 3 h 41 min
